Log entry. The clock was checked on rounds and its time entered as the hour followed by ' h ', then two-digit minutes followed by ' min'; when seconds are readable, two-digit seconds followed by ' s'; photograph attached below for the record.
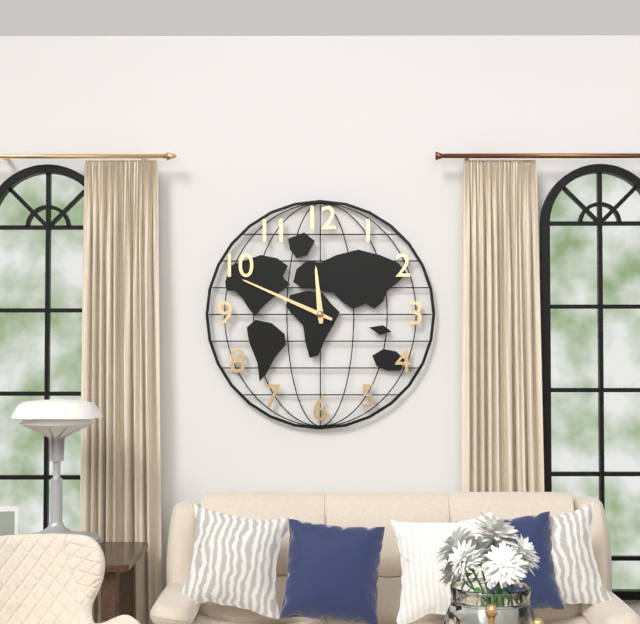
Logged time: 11 h 49 min
